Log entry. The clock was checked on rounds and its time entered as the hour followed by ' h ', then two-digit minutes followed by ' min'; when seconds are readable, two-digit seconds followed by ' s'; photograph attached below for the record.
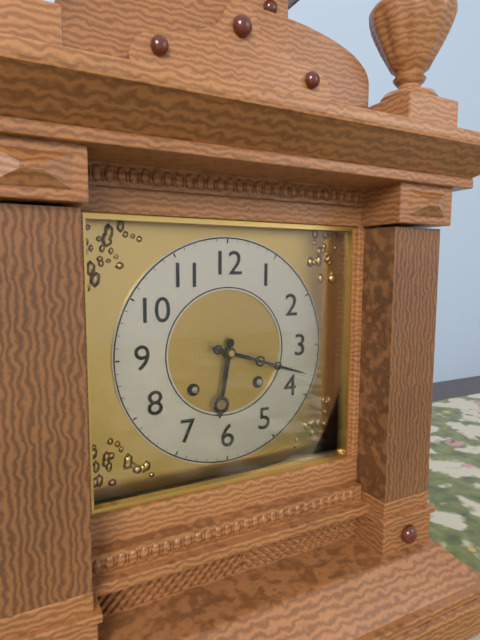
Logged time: 6 h 18 min
